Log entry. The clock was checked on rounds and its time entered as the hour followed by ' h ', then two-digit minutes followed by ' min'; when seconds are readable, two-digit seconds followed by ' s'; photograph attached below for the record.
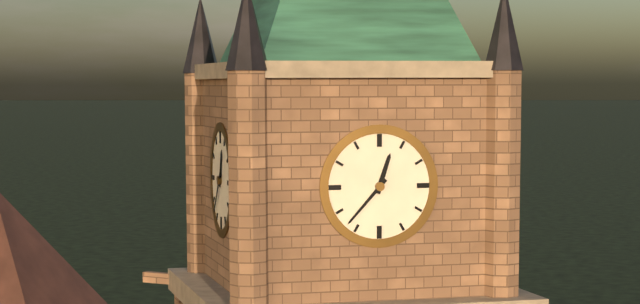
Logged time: 12 h 37 min
